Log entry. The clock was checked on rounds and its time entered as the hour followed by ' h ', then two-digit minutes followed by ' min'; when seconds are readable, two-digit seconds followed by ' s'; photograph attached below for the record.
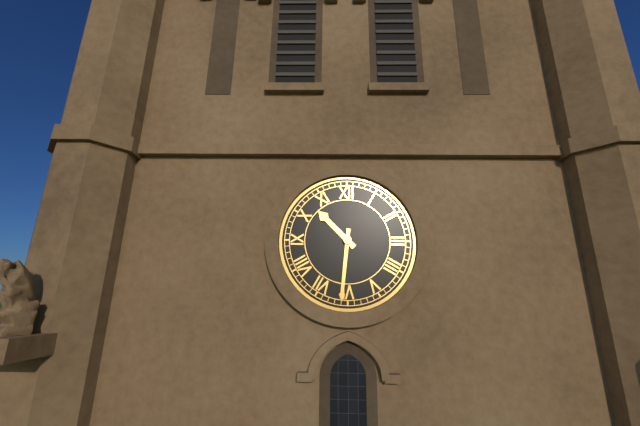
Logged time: 10 h 31 min
